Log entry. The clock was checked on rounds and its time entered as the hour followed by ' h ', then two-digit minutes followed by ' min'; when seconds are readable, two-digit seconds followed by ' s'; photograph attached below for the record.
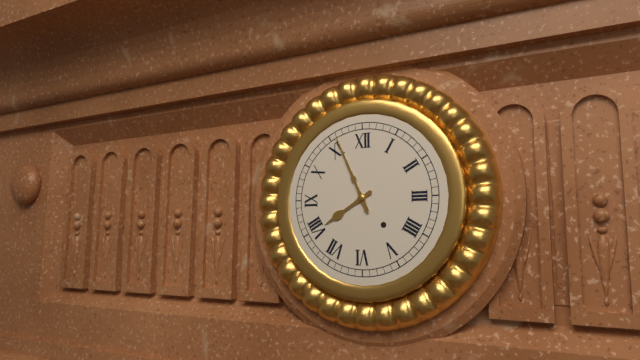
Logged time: 7 h 56 min
